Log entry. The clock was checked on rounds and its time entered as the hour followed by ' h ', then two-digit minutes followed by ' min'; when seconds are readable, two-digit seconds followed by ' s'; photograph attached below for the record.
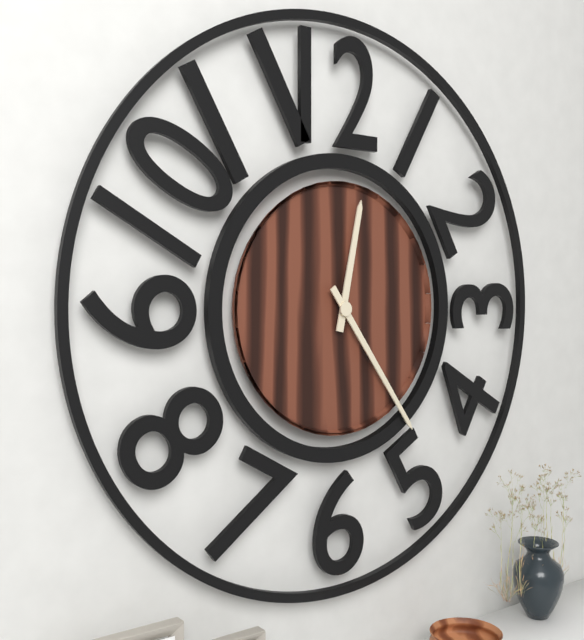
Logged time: 12 h 24 min
